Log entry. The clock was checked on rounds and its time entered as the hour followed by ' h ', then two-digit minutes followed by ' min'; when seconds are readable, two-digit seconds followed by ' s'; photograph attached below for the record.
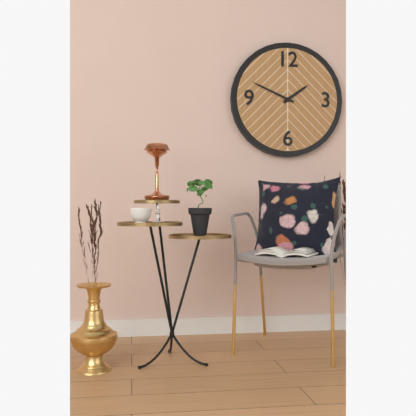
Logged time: 1 h 49 min
